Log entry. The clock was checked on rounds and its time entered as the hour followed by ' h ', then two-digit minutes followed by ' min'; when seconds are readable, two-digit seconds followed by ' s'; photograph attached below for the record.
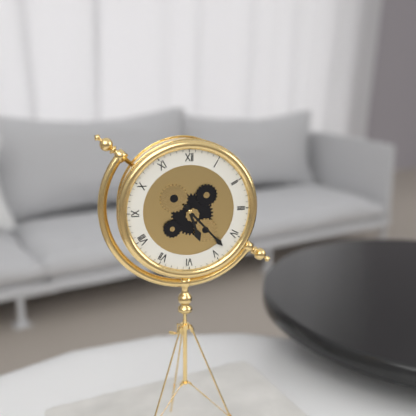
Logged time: 5 h 23 min
